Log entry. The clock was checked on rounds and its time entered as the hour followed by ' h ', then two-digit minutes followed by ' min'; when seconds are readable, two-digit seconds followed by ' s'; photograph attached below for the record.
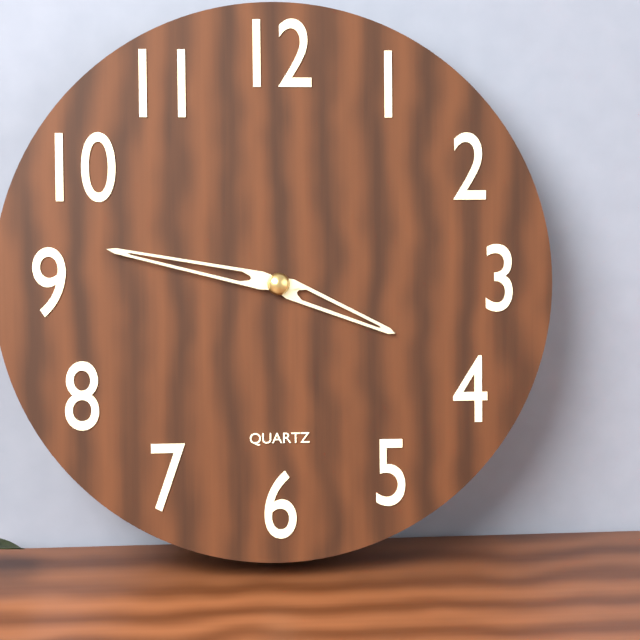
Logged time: 3 h 47 min
